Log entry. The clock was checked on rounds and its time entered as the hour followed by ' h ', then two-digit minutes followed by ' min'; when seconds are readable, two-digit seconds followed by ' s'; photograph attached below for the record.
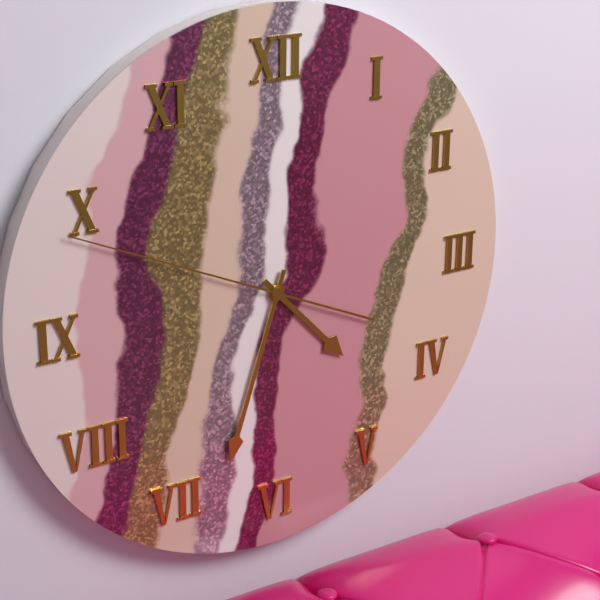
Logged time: 4 h 33 min 49 s
